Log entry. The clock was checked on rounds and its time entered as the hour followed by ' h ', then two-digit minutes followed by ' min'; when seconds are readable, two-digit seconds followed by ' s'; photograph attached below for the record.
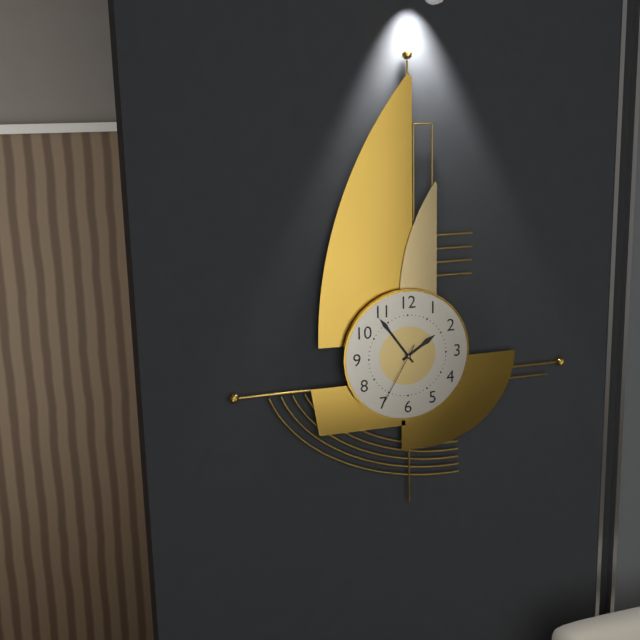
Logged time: 1 h 54 min 35 s
